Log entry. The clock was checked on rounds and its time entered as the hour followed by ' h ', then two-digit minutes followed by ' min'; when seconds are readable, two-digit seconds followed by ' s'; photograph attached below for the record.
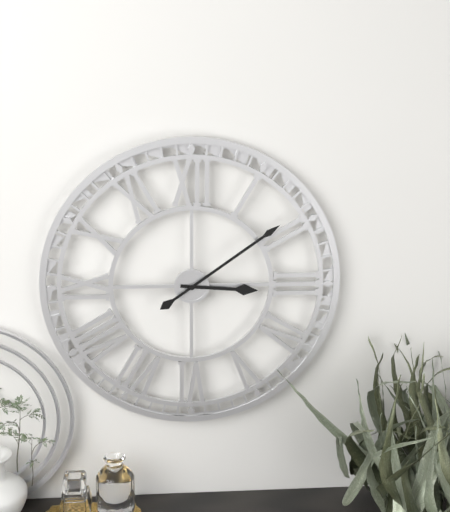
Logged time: 3 h 09 min
